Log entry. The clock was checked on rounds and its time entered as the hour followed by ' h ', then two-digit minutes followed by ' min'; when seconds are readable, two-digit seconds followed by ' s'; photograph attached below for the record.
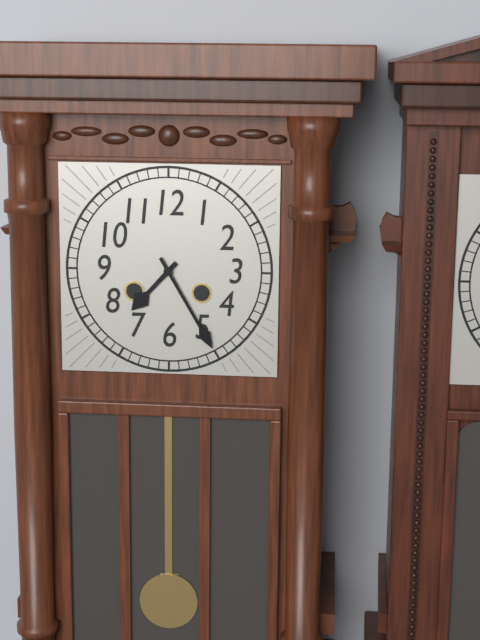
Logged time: 7 h 25 min
